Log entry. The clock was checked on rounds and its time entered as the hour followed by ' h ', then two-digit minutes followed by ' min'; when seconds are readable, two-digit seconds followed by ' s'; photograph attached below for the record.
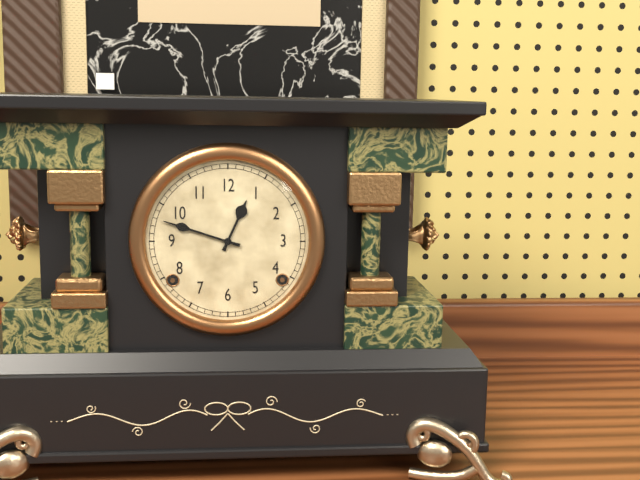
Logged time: 12 h 48 min
